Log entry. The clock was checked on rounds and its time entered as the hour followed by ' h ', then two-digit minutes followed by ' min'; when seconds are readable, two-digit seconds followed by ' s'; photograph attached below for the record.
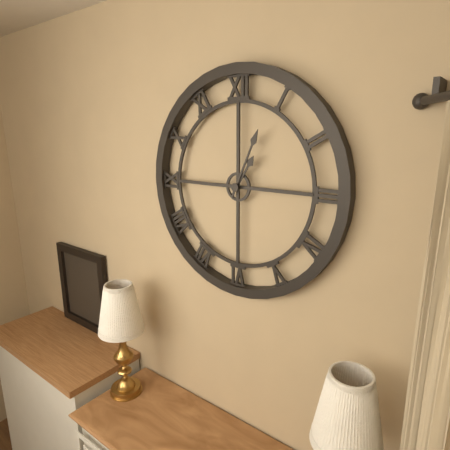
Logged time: 1 h 04 min
